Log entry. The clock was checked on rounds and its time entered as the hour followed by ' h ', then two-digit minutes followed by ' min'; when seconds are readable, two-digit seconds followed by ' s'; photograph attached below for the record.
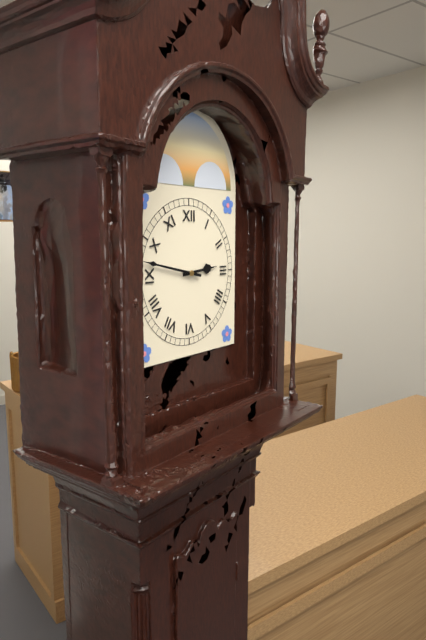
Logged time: 2 h 47 min
